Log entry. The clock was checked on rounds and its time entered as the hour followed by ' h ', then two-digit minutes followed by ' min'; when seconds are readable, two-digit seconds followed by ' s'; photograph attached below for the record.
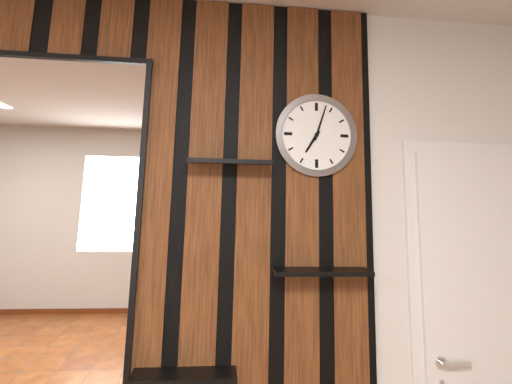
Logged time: 7 h 03 min
